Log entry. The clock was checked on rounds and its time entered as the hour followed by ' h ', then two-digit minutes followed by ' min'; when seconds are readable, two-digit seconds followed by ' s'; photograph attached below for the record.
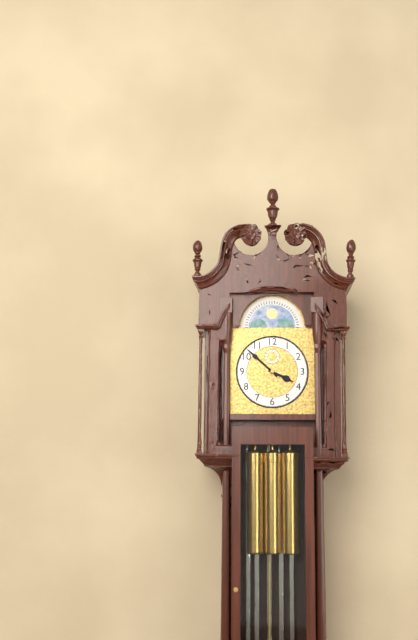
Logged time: 3 h 52 min
